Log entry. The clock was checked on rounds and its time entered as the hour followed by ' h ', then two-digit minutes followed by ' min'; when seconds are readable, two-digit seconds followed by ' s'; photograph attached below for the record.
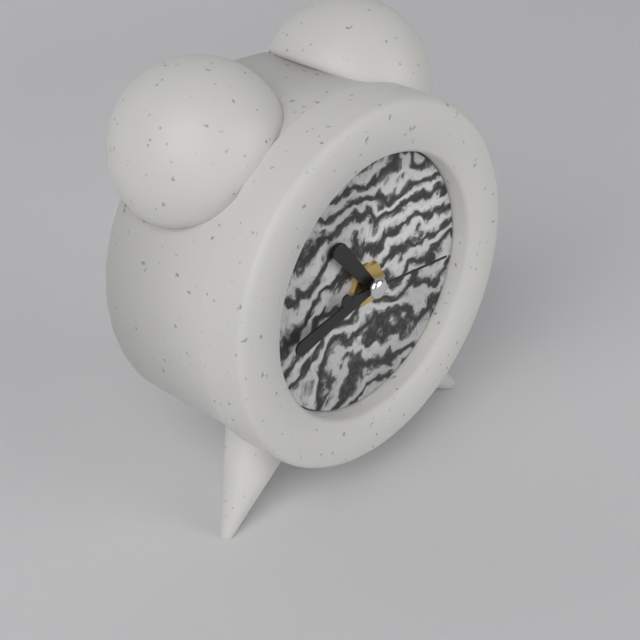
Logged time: 10 h 43 min 16 s
